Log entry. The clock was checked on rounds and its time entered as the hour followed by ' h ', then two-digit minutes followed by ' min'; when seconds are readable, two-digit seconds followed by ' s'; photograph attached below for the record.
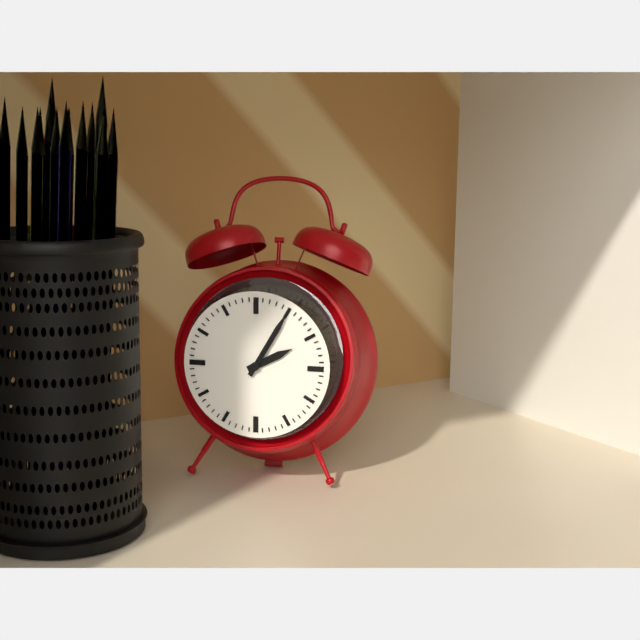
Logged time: 2 h 05 min
